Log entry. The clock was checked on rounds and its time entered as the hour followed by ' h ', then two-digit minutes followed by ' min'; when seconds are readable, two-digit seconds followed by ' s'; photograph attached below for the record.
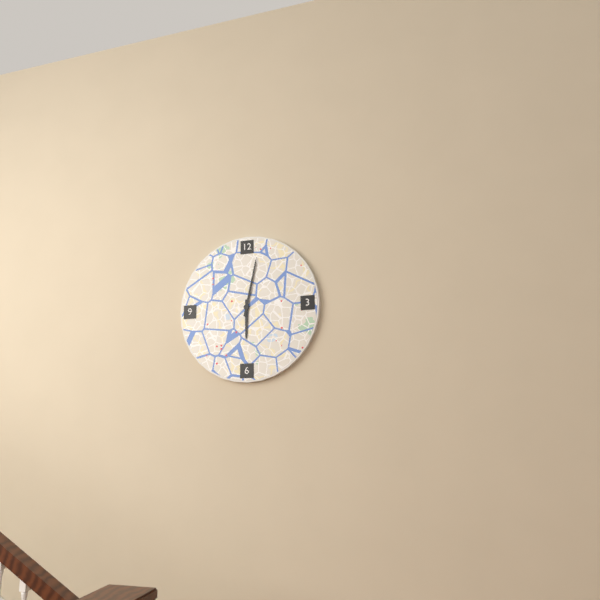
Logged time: 6 h 02 min
